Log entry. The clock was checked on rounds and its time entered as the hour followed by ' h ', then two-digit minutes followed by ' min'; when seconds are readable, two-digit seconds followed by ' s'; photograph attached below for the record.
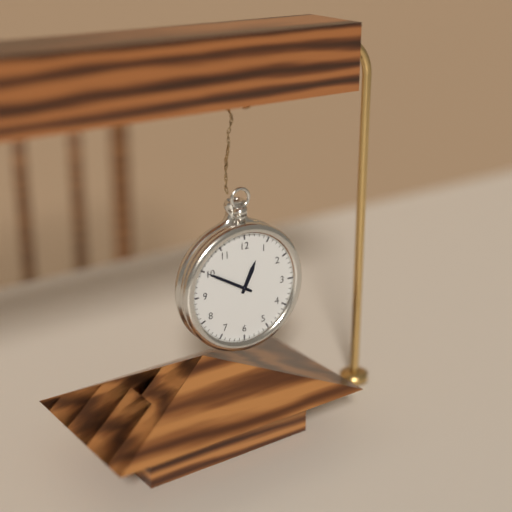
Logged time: 12 h 50 min
